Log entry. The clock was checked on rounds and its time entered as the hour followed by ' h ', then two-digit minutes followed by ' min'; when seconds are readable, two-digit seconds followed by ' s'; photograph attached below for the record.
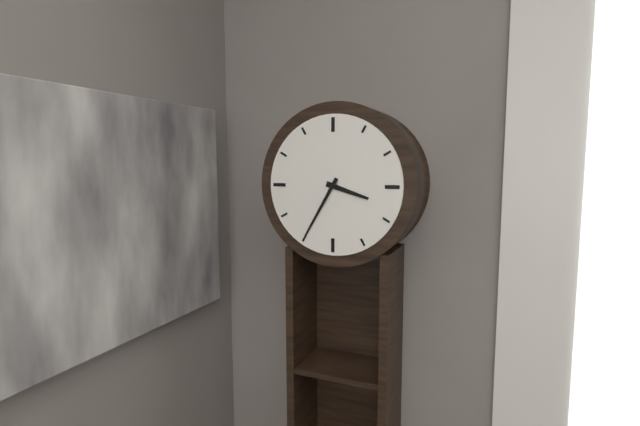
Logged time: 3 h 35 min
